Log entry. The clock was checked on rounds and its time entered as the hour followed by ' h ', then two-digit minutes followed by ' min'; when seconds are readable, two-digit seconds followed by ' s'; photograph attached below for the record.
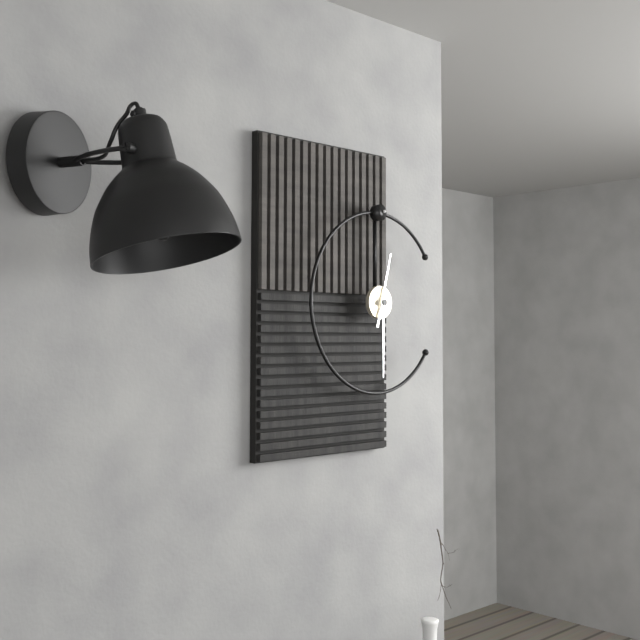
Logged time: 12 h 30 min
